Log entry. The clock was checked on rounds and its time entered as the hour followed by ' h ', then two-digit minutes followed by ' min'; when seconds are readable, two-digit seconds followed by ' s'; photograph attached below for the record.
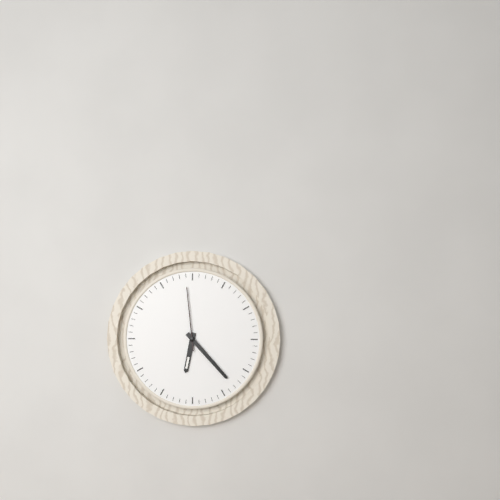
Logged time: 6 h 23 min 59 s
